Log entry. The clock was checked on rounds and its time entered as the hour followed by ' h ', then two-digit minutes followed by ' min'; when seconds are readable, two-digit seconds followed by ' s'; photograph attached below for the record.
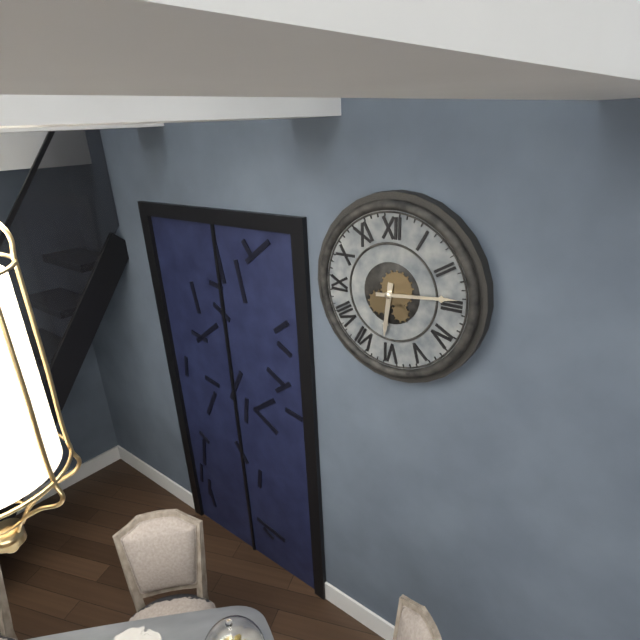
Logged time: 6 h 14 min
